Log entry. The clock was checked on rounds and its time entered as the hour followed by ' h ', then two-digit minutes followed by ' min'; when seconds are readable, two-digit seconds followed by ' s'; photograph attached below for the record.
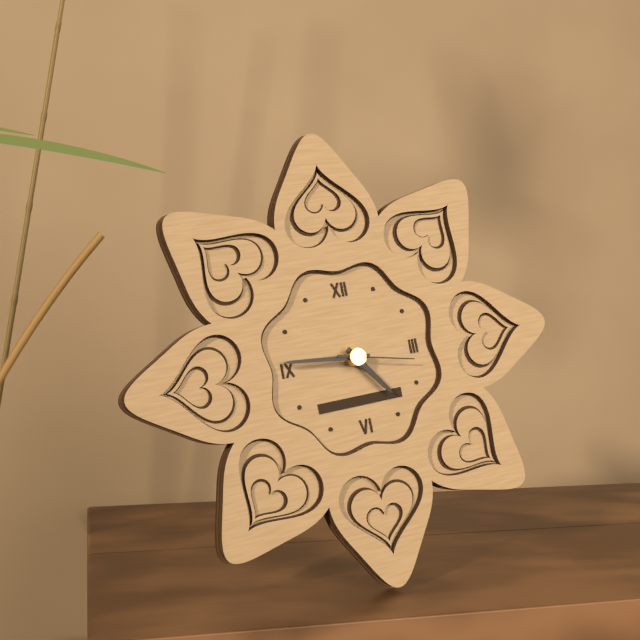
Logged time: 4 h 46 min 17 s
